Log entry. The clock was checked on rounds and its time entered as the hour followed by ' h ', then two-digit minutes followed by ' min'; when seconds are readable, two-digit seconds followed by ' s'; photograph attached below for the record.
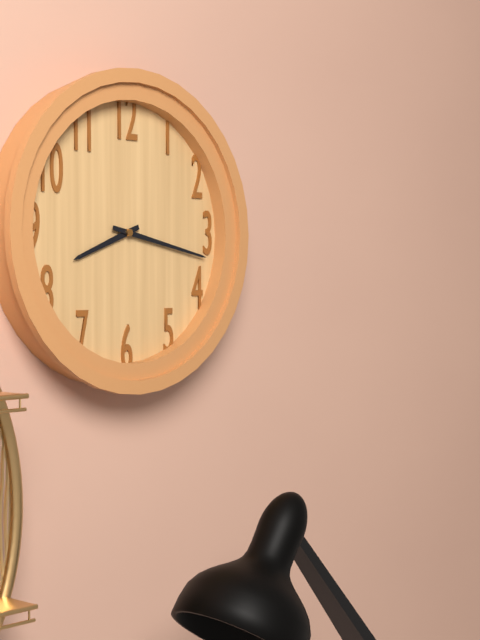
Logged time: 8 h 17 min
